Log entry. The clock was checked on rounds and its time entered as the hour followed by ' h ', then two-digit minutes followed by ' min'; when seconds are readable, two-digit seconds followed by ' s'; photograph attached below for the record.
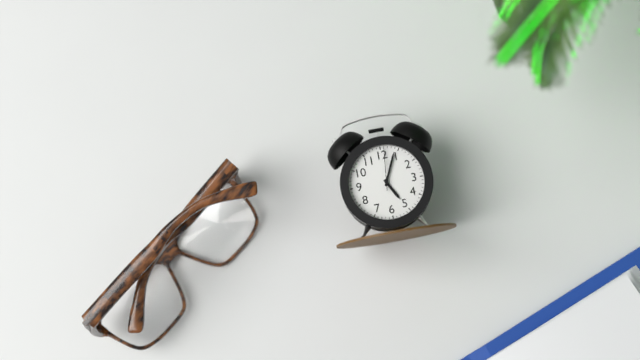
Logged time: 5 h 04 min
